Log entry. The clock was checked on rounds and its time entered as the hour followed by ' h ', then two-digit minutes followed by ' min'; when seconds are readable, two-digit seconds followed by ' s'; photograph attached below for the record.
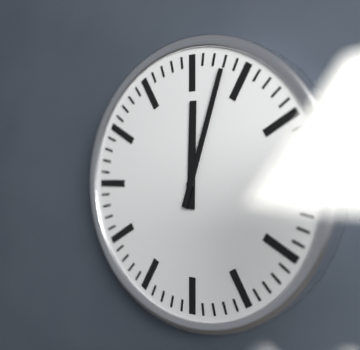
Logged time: 12 h 03 min
